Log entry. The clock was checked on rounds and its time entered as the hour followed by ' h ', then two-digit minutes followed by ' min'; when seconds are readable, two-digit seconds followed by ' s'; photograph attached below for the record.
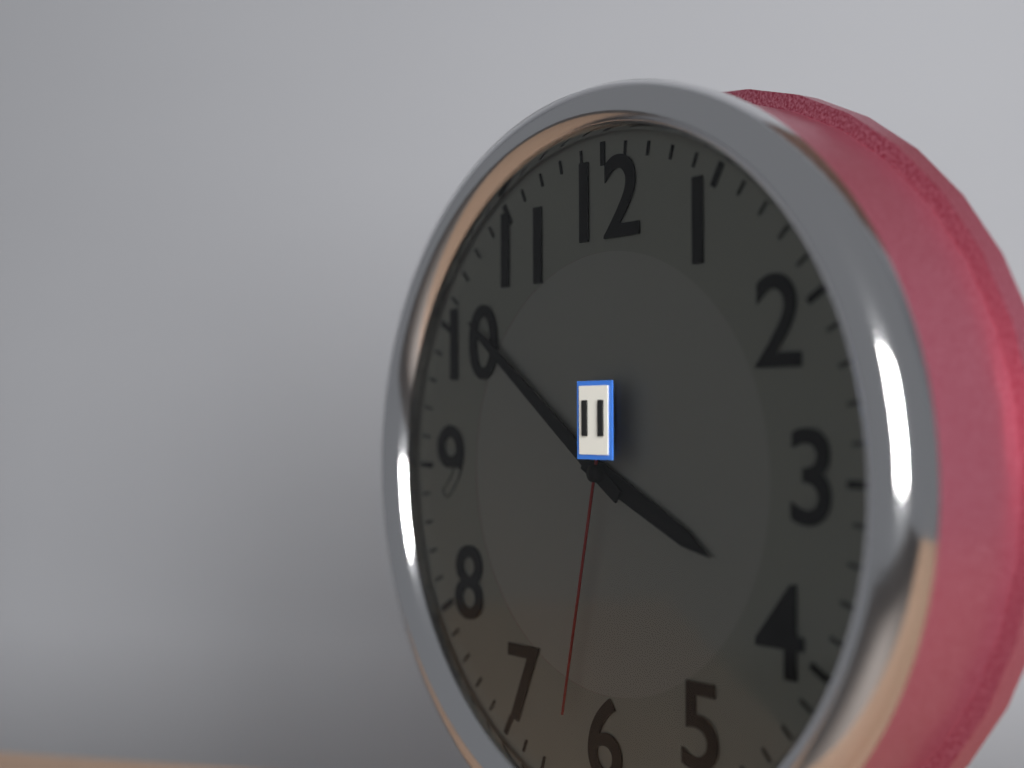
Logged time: 3 h 51 min 32 s
